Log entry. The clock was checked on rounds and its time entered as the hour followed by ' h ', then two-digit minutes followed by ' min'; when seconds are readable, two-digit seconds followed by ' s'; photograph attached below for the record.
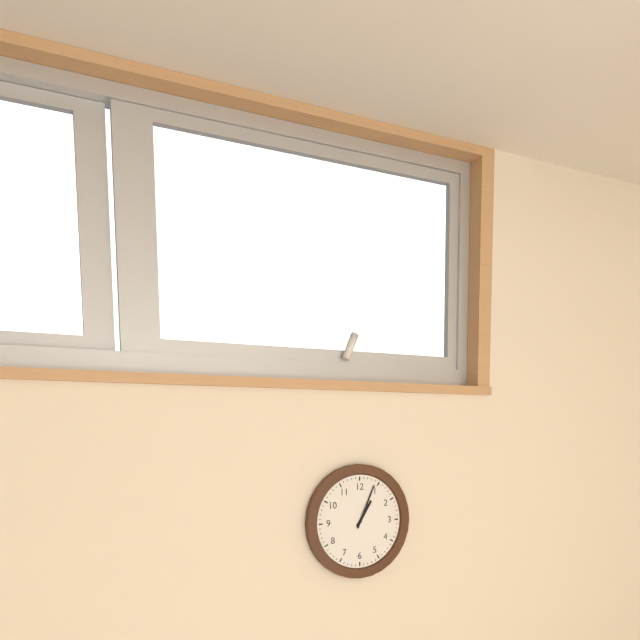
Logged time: 1 h 04 min
